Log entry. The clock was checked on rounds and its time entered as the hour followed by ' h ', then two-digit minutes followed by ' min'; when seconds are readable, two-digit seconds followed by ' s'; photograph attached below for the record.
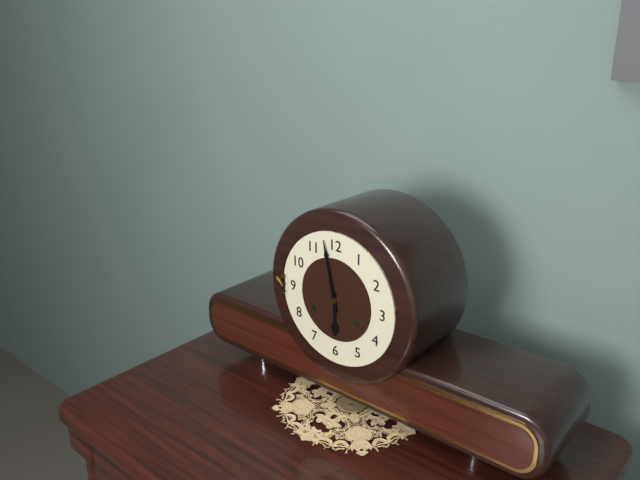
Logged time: 5 h 58 min
